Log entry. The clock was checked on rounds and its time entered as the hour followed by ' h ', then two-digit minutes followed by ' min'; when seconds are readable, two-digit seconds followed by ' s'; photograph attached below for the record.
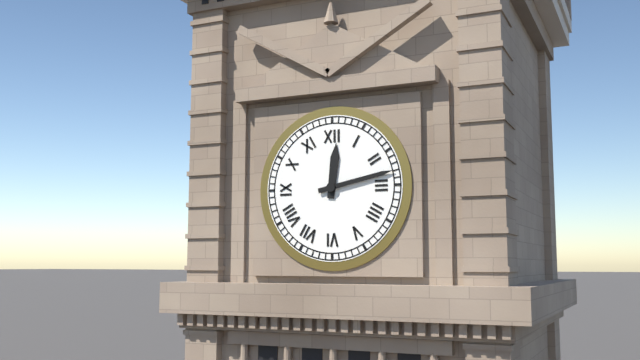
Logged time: 12 h 13 min
